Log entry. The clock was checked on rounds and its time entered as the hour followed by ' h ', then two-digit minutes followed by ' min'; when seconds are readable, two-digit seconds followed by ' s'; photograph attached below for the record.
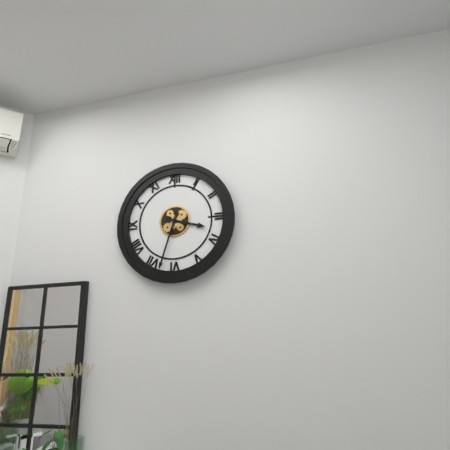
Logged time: 3 h 33 min
